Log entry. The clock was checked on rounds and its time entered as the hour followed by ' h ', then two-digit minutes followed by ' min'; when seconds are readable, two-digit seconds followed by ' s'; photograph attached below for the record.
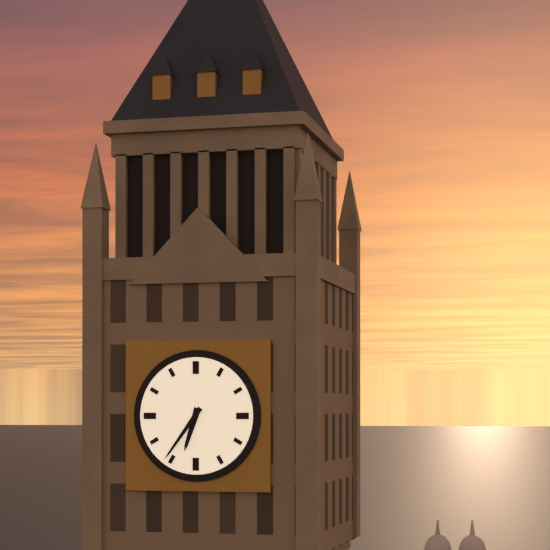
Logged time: 6 h 36 min
